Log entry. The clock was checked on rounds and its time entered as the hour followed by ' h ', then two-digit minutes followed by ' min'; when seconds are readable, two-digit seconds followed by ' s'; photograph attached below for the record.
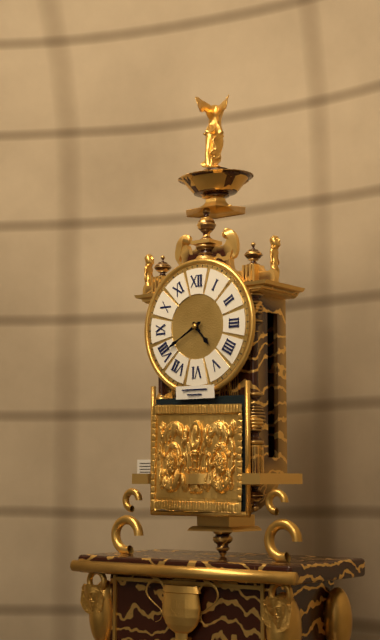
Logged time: 4 h 40 min
